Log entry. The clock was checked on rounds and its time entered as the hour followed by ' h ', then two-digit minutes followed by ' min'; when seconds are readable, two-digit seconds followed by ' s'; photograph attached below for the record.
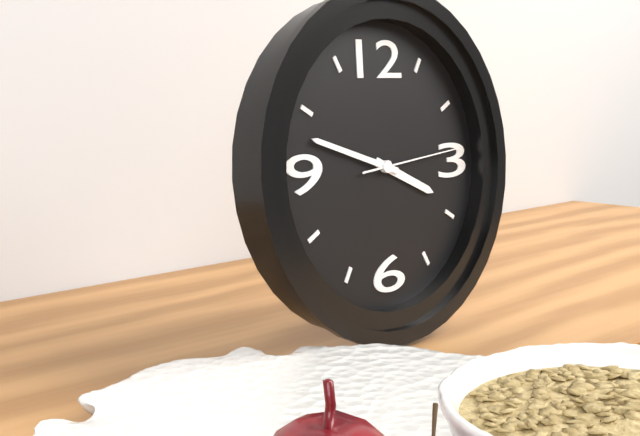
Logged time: 3 h 48 min 14 s
